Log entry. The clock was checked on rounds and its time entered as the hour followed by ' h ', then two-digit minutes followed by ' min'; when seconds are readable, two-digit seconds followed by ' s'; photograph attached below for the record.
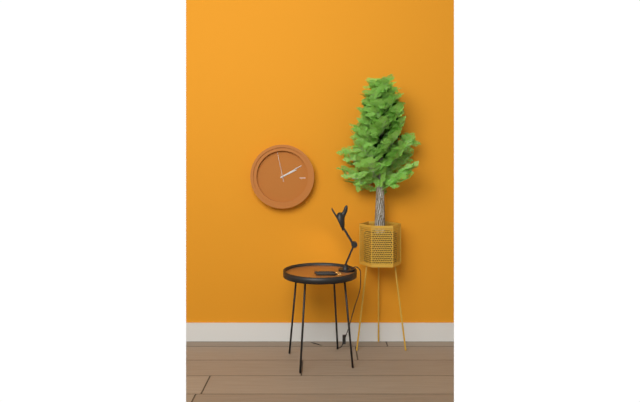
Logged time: 2 h 10 min
